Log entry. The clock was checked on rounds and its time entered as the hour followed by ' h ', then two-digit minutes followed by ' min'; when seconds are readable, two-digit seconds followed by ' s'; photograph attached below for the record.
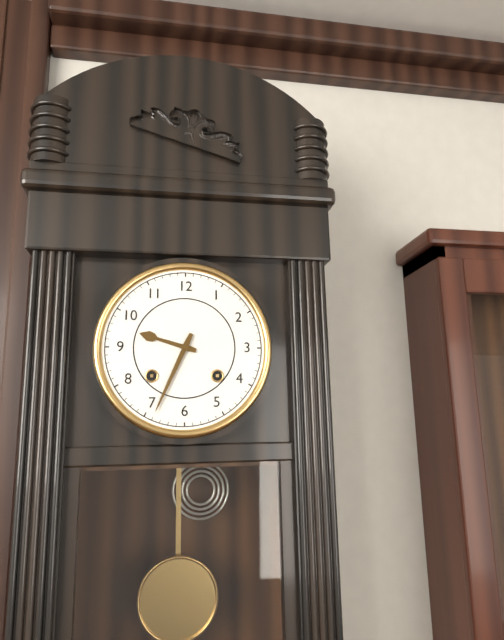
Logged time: 9 h 34 min
